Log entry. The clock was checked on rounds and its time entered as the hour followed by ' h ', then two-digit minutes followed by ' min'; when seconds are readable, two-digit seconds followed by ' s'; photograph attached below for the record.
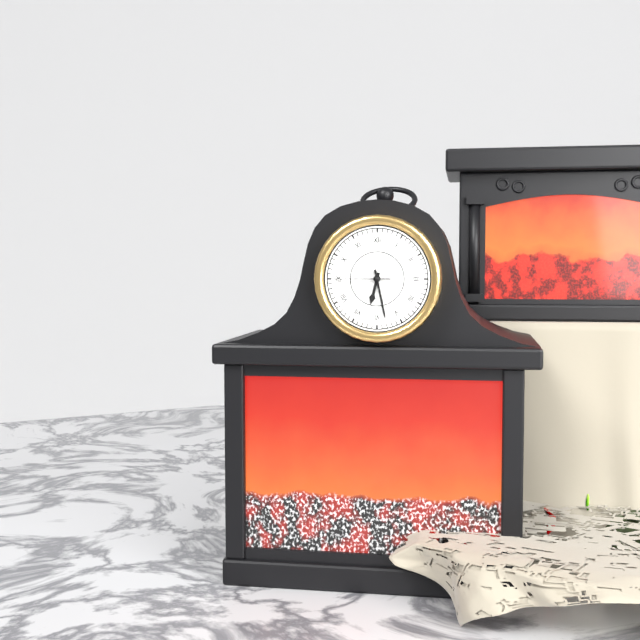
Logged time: 6 h 28 min 45 s
